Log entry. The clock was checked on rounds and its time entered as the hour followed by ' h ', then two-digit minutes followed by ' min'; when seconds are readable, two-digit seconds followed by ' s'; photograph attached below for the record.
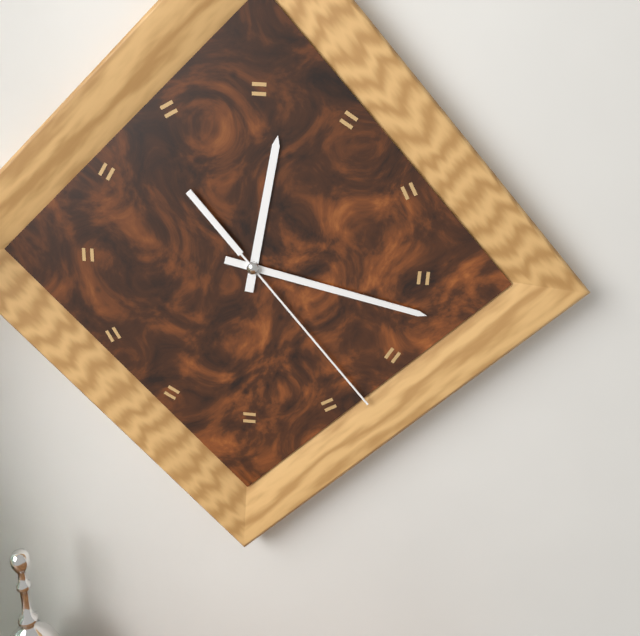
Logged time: 12 h 17 min 23 s
